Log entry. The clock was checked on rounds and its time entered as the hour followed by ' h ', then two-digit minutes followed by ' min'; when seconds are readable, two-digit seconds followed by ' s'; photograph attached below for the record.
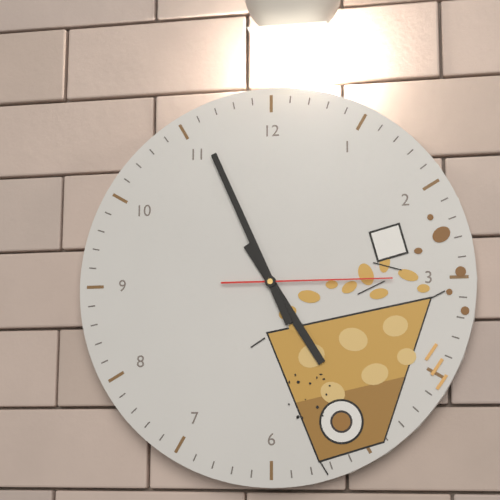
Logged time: 4 h 56 min 15 s
